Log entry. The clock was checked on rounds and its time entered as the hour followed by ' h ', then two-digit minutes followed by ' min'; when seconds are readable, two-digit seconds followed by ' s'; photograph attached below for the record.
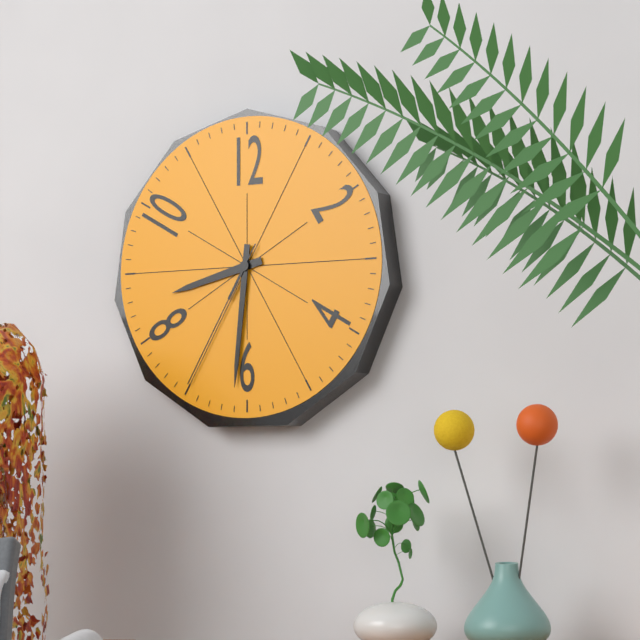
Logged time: 8 h 31 min 35 s
